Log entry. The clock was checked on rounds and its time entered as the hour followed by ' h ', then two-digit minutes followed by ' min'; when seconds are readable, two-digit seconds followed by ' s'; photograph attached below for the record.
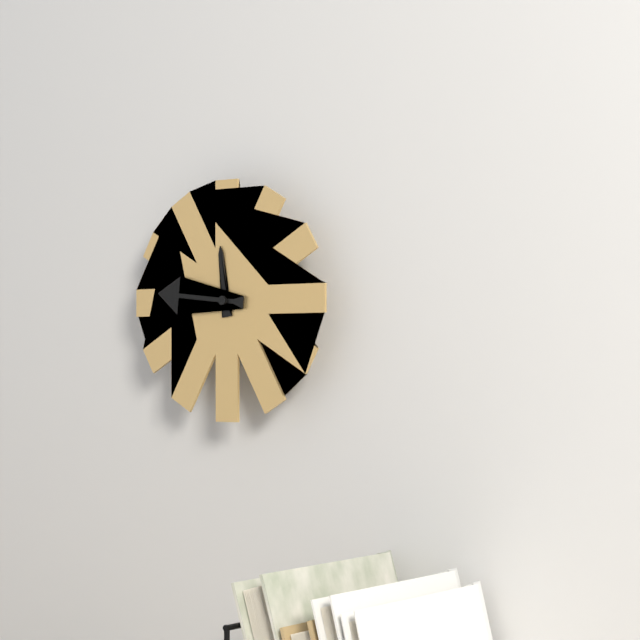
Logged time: 11 h 46 min
